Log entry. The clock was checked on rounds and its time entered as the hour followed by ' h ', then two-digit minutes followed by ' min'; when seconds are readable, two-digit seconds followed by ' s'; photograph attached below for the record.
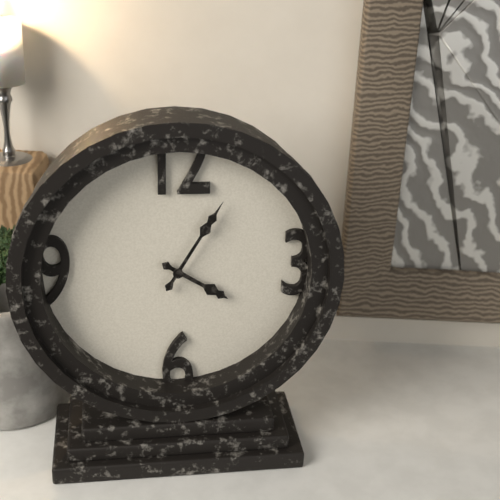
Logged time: 4 h 05 min
